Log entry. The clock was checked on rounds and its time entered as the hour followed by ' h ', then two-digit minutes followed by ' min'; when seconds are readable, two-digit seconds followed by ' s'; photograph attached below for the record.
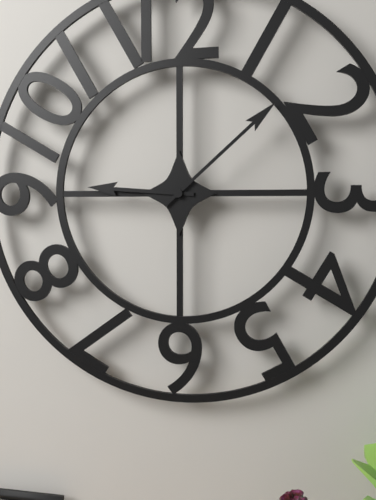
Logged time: 9 h 08 min
